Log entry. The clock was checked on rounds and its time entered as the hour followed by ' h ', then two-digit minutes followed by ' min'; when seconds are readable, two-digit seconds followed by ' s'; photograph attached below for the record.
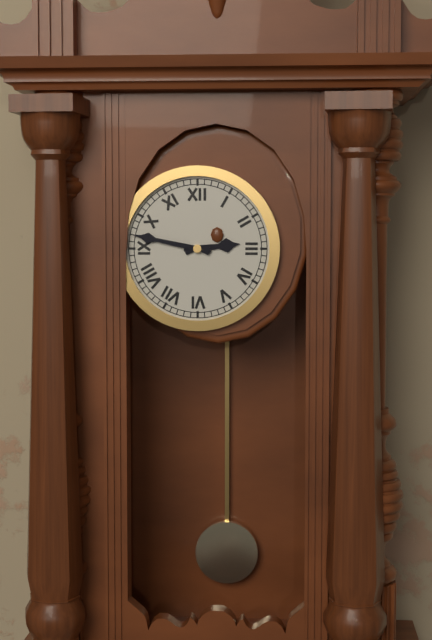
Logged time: 2 h 47 min
